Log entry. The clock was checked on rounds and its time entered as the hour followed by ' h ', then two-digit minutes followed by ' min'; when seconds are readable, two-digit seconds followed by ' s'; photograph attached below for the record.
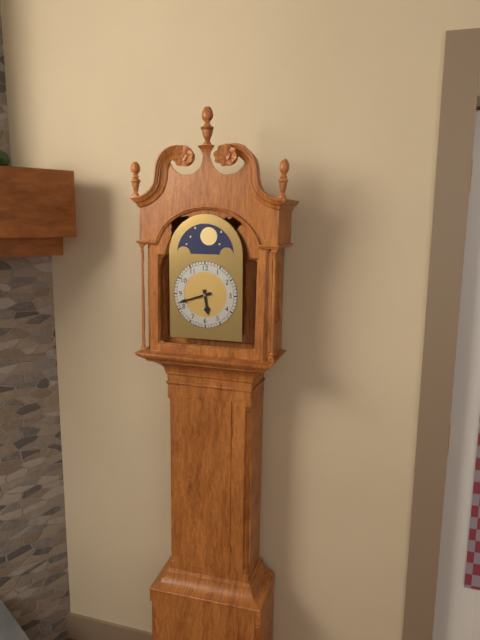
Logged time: 5 h 42 min
